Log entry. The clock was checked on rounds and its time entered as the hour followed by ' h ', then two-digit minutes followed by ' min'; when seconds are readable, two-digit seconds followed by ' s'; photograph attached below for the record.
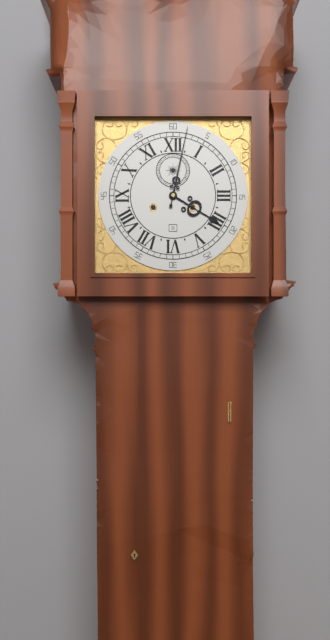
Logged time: 4 h 02 min
